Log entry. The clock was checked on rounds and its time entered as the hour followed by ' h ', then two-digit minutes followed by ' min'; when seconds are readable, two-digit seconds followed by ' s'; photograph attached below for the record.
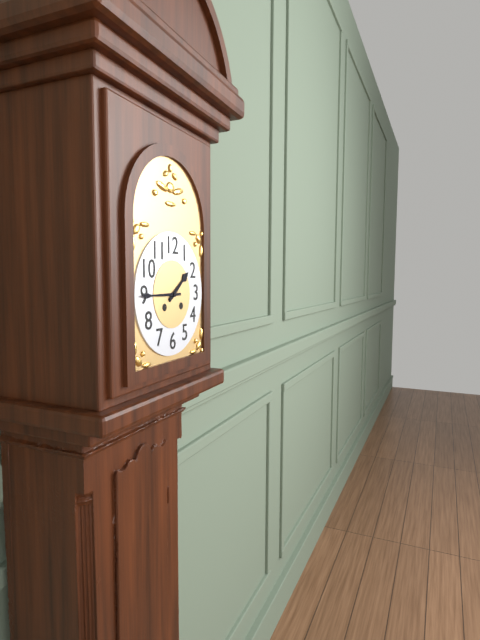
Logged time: 1 h 45 min
